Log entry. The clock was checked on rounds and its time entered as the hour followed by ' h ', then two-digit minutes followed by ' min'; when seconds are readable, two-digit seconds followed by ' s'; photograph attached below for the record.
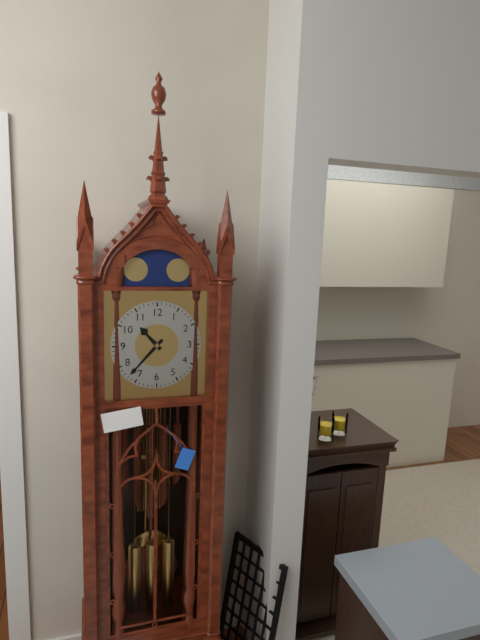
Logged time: 10 h 37 min
